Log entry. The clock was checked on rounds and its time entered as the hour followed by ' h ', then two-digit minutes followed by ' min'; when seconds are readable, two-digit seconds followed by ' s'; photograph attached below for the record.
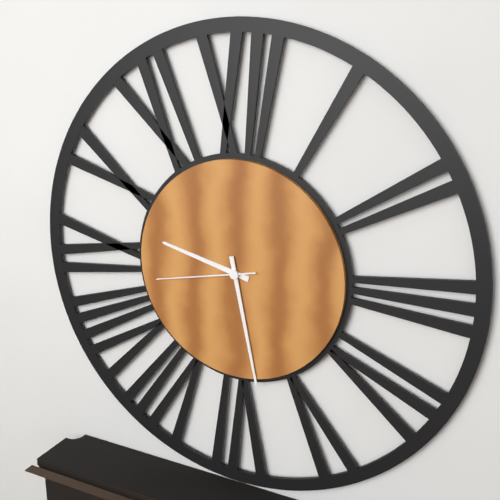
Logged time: 9 h 28 min 43 s
